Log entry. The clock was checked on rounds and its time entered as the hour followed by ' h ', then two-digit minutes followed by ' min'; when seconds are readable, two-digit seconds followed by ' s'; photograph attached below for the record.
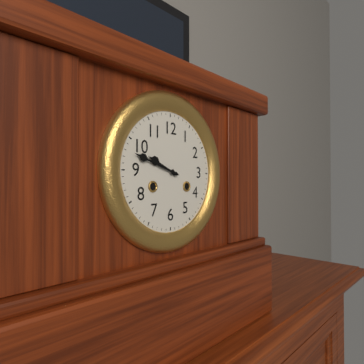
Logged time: 9 h 48 min
